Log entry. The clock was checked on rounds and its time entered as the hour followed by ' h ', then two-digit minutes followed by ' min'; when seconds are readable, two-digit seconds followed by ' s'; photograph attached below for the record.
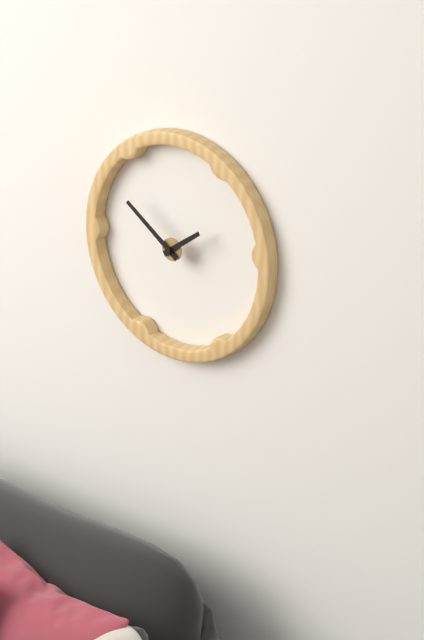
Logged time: 1 h 51 min
